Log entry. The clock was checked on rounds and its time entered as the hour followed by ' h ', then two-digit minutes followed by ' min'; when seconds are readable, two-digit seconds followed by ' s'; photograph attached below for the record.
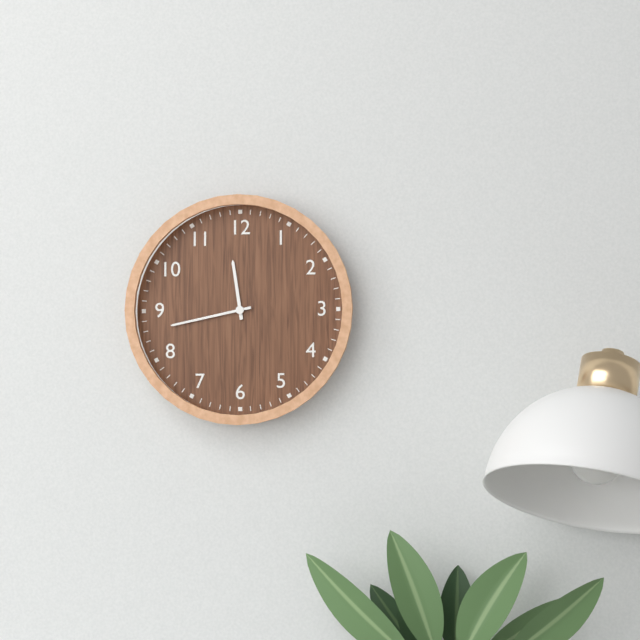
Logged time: 11 h 43 min
